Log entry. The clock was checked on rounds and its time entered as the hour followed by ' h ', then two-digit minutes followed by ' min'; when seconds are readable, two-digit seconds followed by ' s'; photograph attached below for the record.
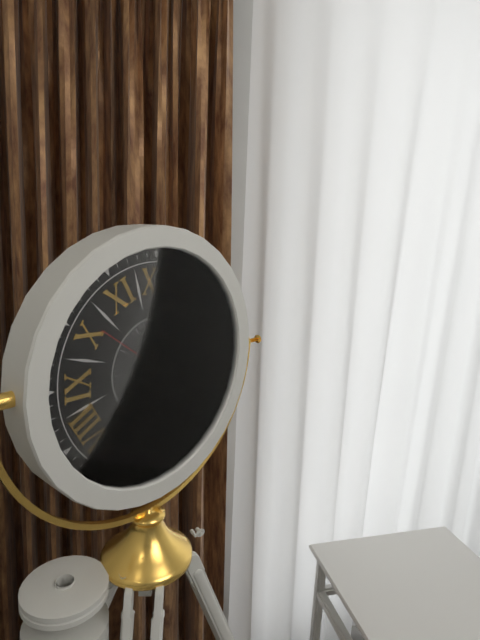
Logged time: 6 h 18 min 51 s
